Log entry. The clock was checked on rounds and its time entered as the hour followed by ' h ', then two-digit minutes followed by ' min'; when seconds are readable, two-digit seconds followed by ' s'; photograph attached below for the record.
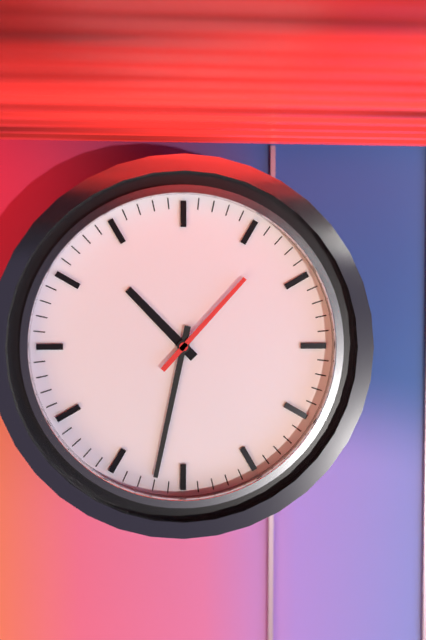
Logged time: 10 h 32 min 07 s
